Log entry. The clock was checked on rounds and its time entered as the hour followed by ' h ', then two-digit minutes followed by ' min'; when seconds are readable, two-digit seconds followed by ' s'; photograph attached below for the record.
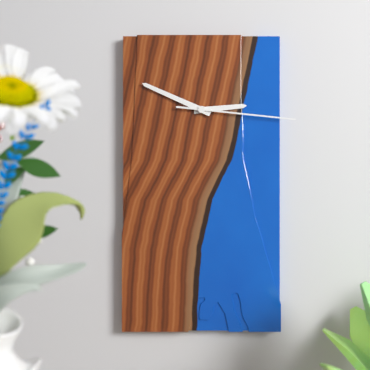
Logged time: 2 h 49 min 16 s
